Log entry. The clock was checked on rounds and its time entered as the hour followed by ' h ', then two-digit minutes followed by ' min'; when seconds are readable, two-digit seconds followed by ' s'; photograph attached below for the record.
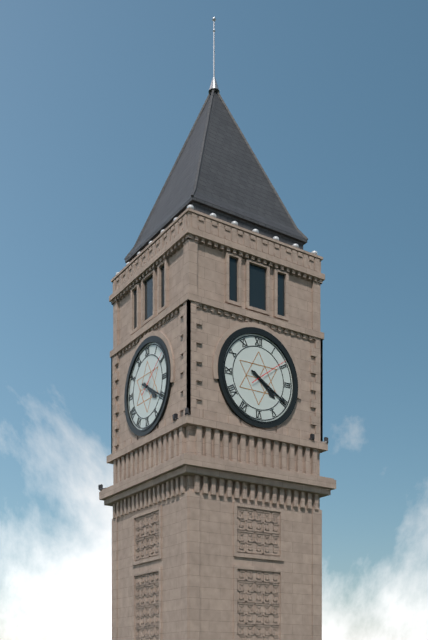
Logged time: 4 h 20 min
